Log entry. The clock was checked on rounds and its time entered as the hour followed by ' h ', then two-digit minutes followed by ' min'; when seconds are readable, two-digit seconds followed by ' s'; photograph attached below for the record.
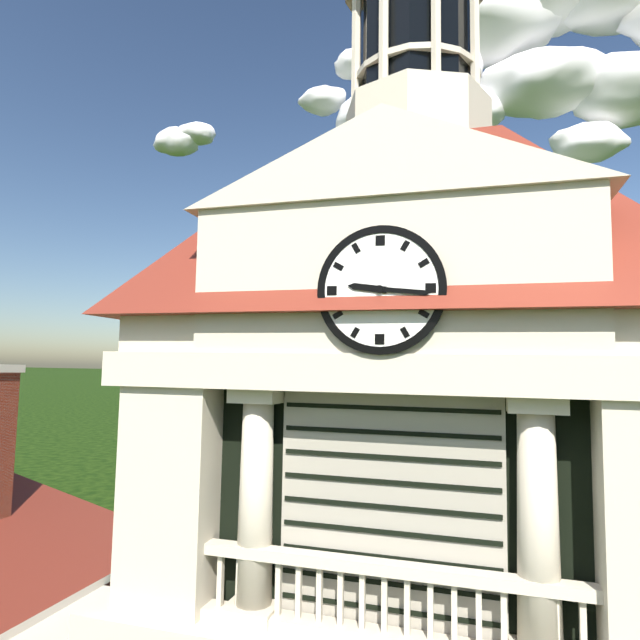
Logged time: 9 h 16 min
